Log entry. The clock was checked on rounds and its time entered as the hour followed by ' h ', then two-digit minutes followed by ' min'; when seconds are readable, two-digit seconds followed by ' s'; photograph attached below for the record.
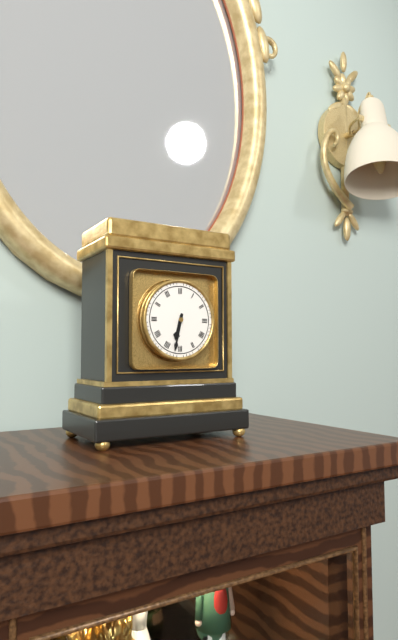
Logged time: 6 h 32 min
